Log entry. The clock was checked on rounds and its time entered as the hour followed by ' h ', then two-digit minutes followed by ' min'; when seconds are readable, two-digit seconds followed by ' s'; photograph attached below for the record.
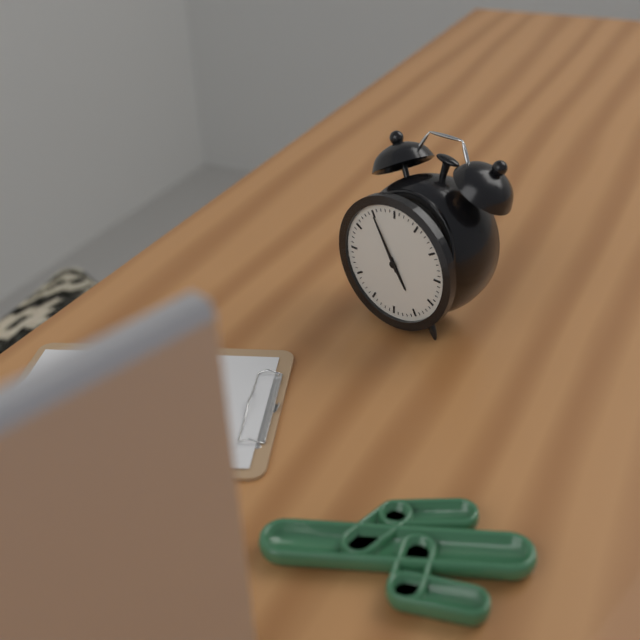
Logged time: 4 h 55 min
